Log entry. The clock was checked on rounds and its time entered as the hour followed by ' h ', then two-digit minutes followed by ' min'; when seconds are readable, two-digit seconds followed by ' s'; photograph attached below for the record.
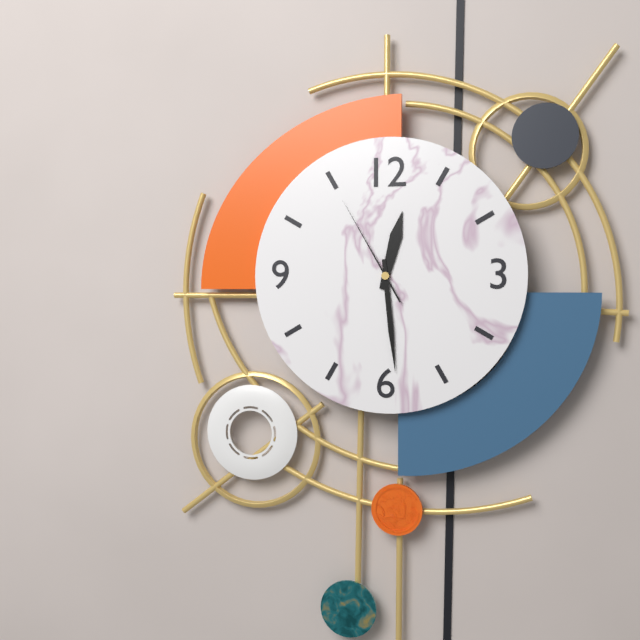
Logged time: 12 h 29 min 55 s
